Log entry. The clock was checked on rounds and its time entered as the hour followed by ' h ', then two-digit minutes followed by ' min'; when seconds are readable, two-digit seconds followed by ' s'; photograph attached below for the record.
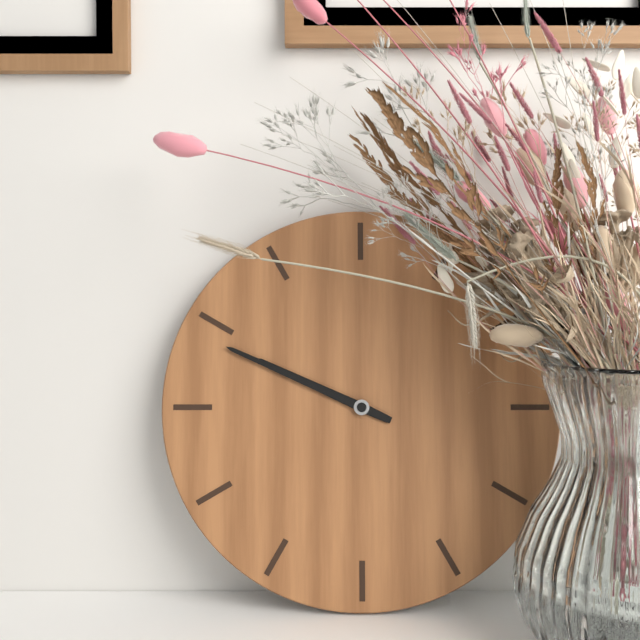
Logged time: 9 h 49 min
